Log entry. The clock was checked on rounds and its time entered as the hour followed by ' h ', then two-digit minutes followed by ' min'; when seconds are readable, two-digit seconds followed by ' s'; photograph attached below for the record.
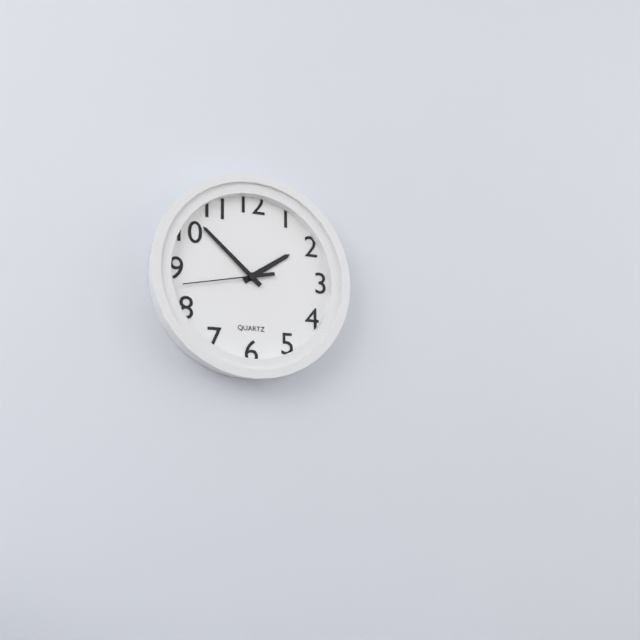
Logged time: 1 h 52 min 43 s
